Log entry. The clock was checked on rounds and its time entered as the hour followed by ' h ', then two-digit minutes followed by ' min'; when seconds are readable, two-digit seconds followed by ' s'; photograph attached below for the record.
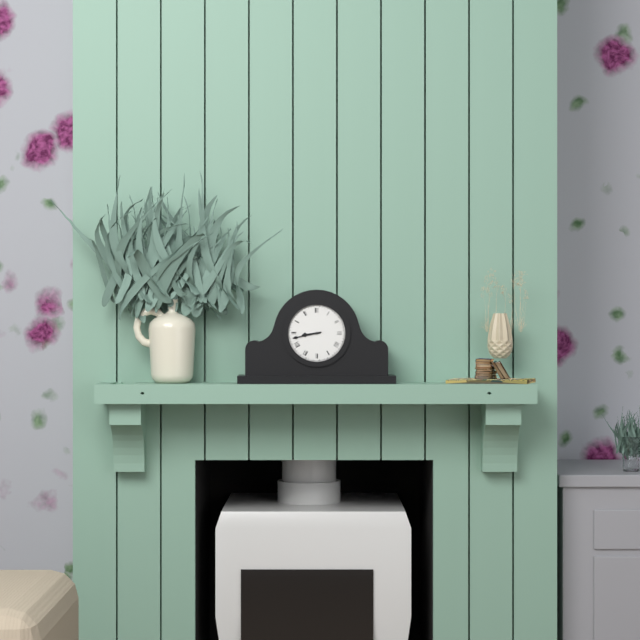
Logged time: 8 h 43 min
